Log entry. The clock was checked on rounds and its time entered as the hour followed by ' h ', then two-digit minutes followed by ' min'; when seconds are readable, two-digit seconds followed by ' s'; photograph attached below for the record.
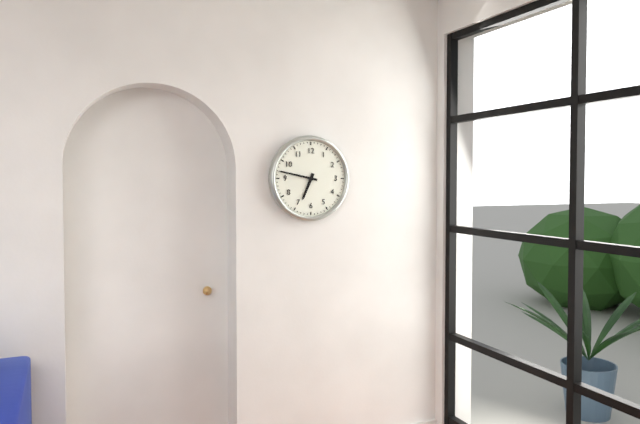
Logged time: 6 h 47 min
